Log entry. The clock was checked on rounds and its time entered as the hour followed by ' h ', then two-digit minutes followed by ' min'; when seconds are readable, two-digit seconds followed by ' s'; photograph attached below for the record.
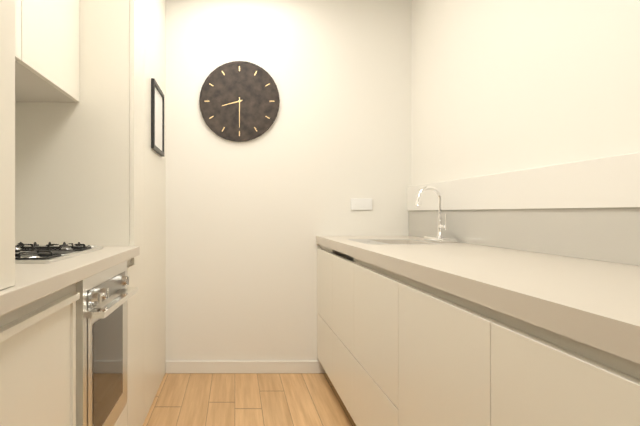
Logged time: 8 h 30 min
